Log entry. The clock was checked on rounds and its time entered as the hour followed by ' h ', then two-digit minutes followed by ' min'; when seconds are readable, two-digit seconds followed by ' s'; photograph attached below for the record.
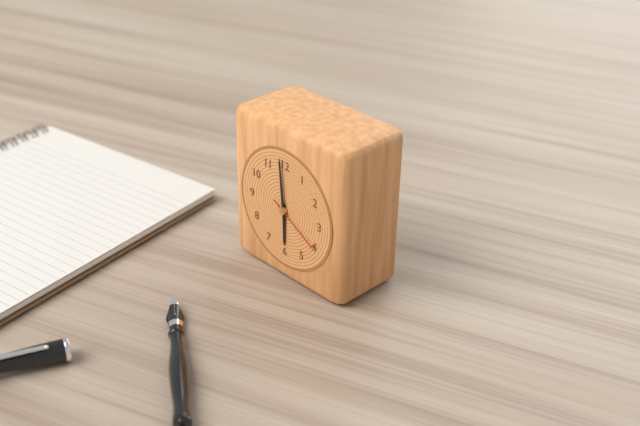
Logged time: 5 h 59 min 20 s
